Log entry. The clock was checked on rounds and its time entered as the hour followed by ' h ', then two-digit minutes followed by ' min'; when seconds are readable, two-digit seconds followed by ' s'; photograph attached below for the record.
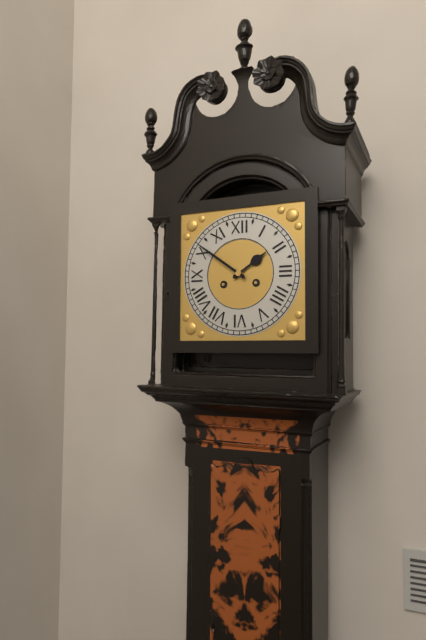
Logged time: 1 h 51 min
